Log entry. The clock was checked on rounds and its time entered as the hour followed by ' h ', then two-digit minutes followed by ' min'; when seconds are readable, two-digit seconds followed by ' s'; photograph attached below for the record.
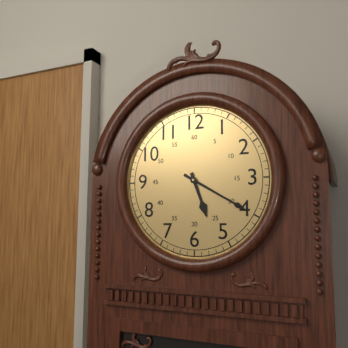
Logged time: 5 h 20 min
